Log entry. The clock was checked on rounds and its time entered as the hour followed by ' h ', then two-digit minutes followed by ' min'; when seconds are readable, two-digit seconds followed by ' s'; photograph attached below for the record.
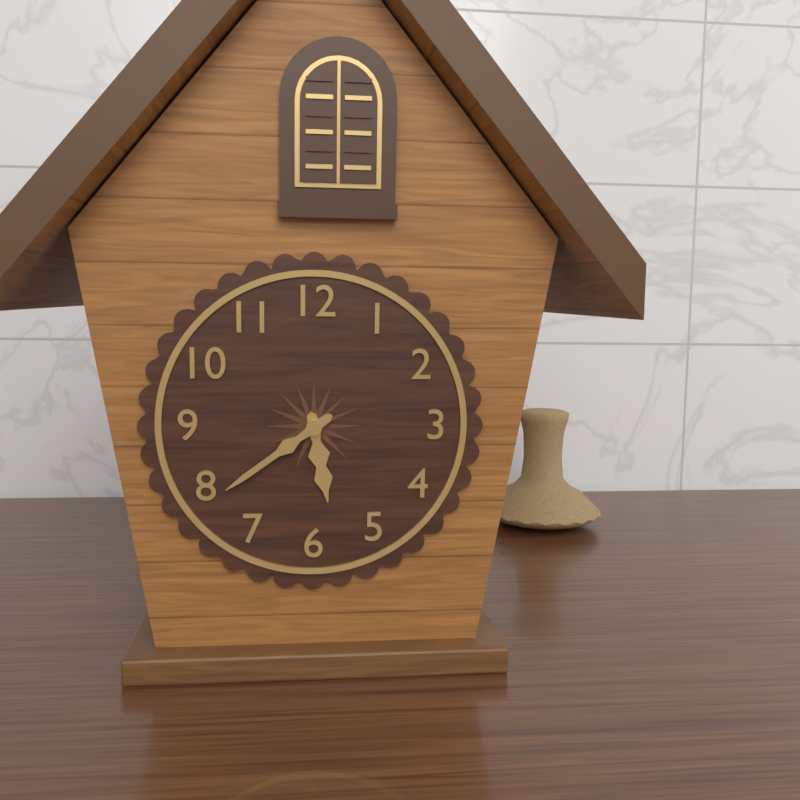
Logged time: 5 h 39 min
